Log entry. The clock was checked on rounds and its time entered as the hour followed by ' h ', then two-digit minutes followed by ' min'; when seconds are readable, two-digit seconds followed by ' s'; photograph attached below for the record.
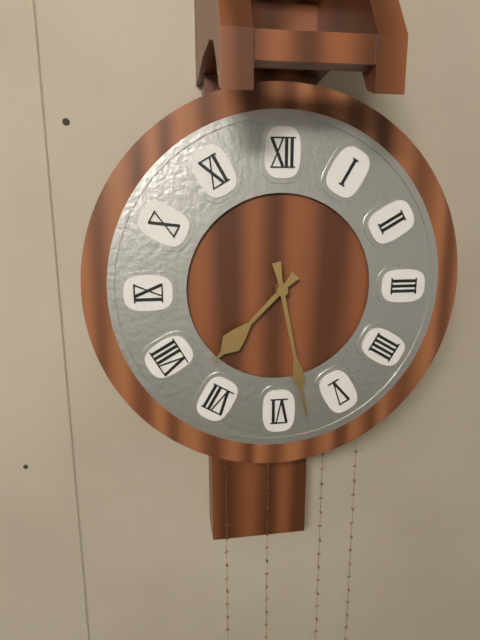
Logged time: 7 h 28 min
